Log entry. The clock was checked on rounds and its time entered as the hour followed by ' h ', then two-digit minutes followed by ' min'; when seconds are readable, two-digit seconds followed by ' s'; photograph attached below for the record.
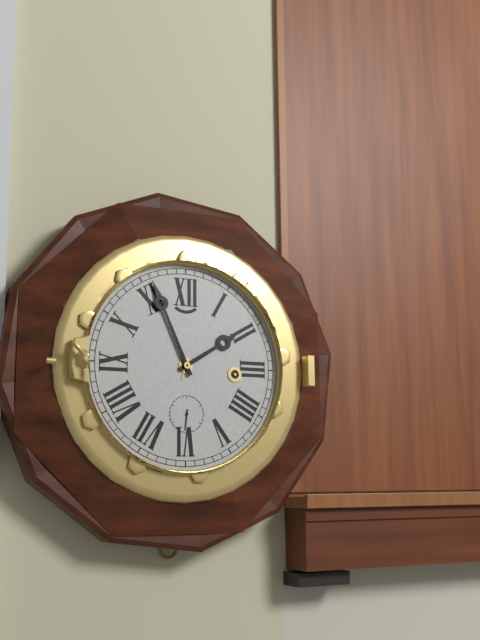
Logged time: 1 h 56 min
